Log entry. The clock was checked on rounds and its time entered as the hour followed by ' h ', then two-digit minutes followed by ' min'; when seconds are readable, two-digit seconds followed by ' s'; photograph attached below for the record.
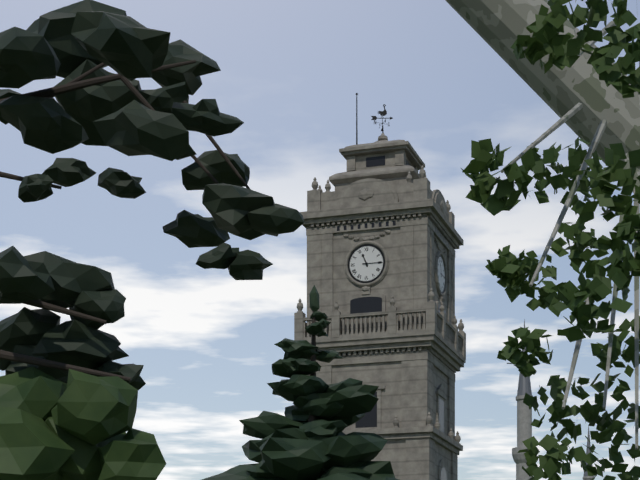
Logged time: 11 h 15 min
